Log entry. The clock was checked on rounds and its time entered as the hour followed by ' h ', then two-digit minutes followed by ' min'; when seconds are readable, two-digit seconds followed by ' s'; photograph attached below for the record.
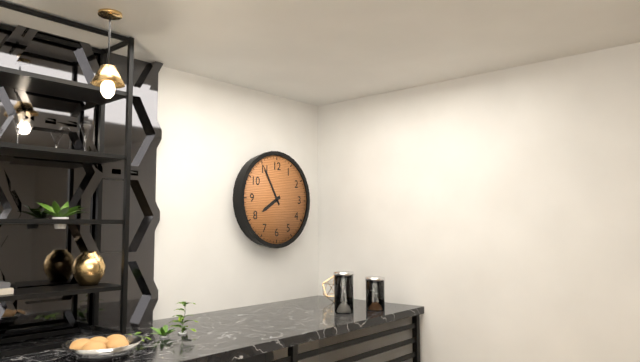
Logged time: 7 h 55 min
